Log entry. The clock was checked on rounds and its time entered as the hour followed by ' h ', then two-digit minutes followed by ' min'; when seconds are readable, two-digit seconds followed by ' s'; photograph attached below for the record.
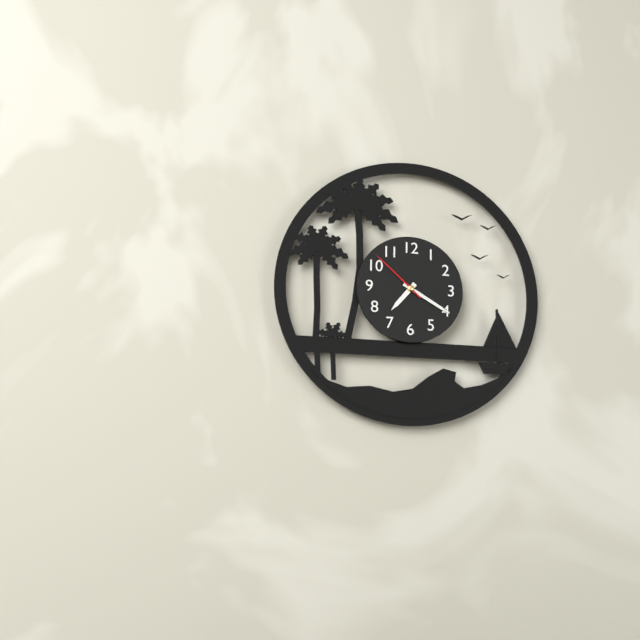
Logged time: 7 h 20 min 52 s
